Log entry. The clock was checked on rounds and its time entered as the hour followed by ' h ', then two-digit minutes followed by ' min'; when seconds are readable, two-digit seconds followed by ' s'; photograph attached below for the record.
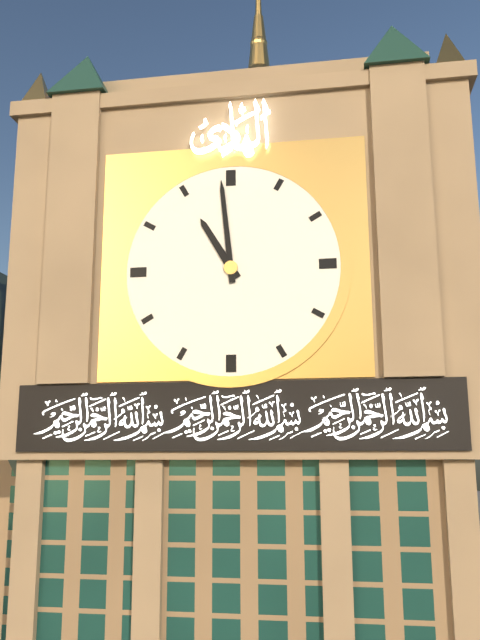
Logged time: 10 h 59 min
